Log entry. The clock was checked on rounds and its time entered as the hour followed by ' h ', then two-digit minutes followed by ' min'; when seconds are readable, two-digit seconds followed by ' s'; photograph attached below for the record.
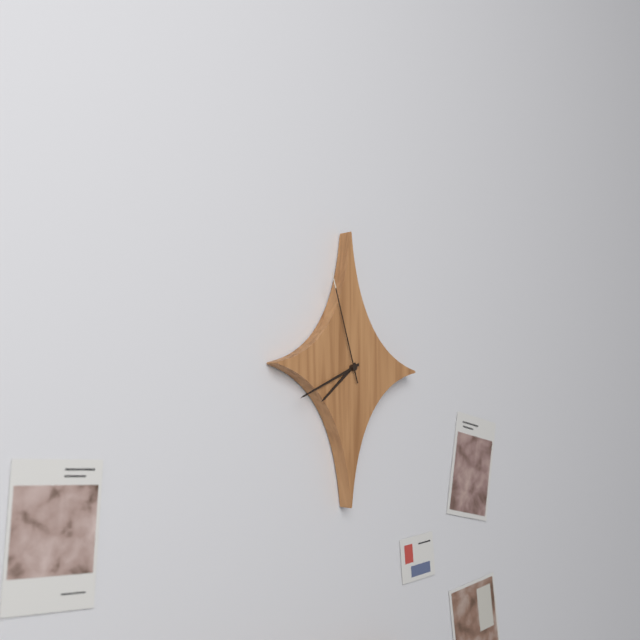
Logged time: 7 h 41 min 57 s
